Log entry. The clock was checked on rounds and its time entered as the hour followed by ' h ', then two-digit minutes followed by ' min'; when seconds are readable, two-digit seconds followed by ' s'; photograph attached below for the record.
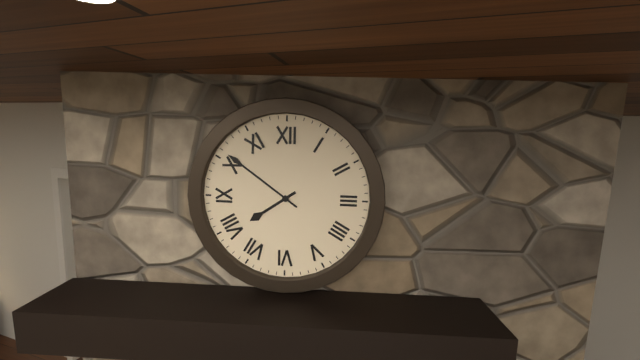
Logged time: 7 h 51 min
